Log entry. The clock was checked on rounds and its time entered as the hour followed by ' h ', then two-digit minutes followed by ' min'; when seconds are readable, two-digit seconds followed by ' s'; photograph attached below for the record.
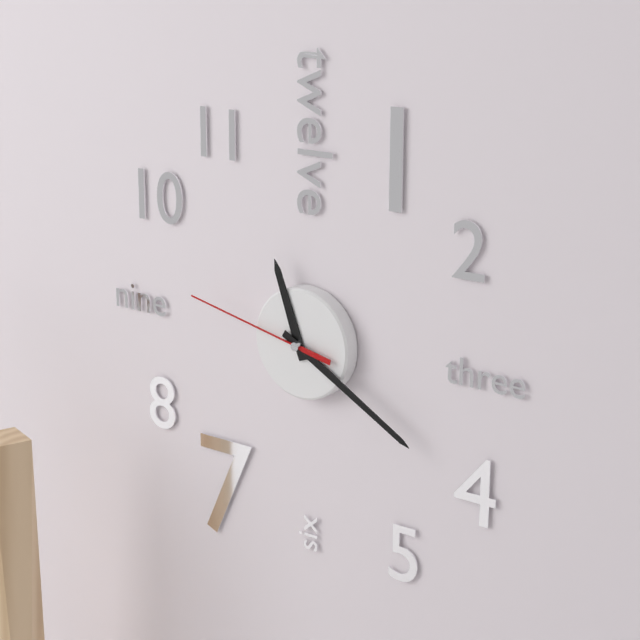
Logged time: 11 h 20 min 47 s
